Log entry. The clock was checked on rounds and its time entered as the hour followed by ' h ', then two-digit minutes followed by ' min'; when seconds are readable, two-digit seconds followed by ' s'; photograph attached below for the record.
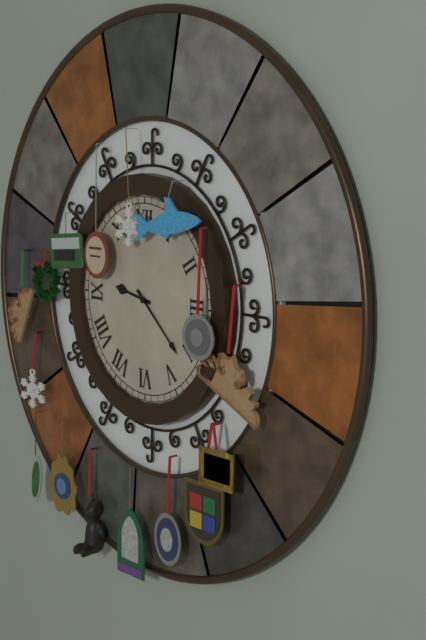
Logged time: 9 h 22 min
